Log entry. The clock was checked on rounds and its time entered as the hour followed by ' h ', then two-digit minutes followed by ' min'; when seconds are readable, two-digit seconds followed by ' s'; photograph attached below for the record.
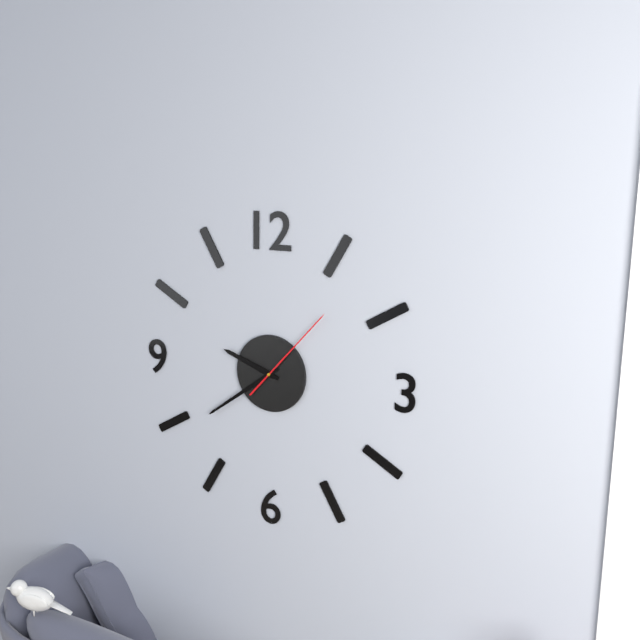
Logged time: 9 h 39 min 07 s
